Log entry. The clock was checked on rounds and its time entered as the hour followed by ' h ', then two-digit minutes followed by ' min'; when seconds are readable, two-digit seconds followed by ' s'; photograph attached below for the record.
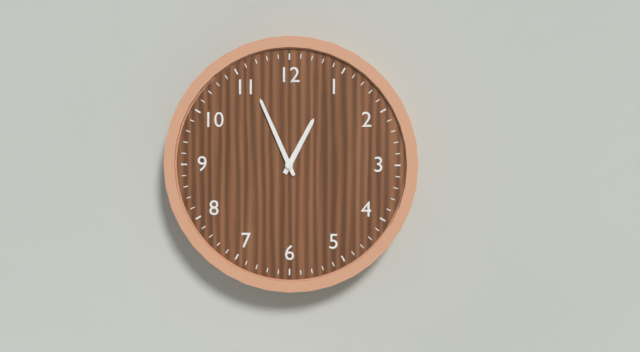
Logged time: 12 h 56 min
